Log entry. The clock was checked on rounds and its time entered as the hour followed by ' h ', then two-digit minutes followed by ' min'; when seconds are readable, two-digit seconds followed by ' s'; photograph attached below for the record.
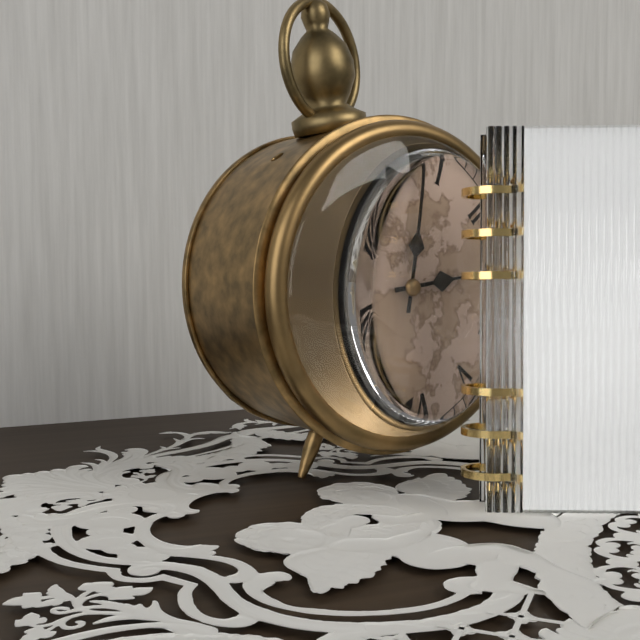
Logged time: 3 h 03 min
